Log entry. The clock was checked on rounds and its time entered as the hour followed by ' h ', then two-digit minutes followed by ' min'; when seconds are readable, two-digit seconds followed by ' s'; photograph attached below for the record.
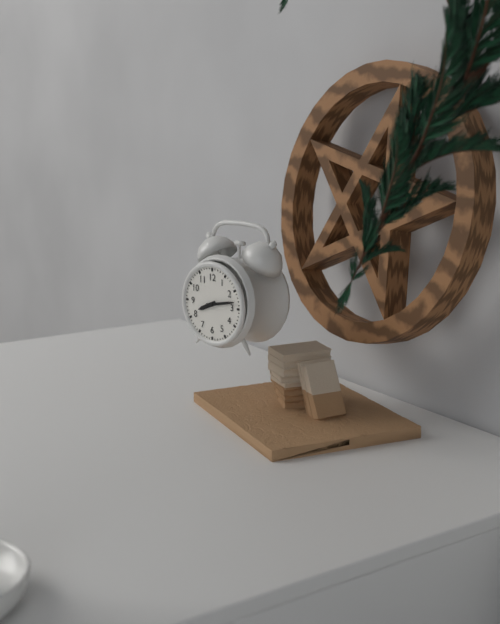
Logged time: 8 h 13 min
